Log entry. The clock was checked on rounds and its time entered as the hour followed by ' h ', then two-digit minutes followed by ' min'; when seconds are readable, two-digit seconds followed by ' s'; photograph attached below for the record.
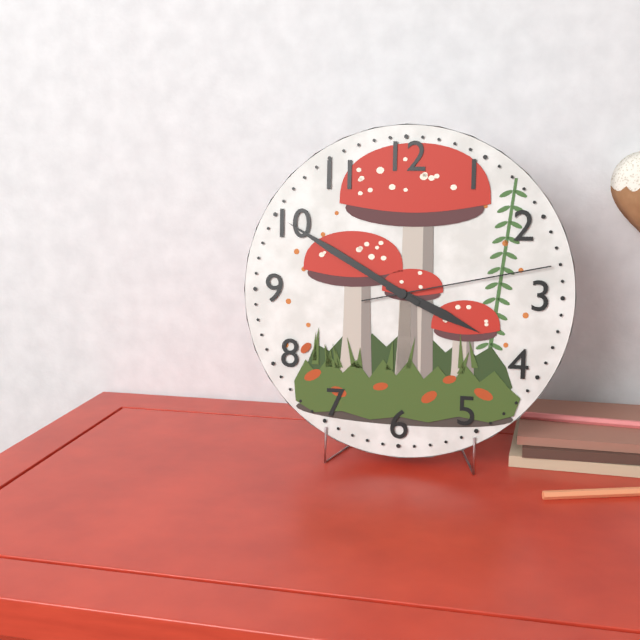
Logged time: 3 h 50 min 13 s
